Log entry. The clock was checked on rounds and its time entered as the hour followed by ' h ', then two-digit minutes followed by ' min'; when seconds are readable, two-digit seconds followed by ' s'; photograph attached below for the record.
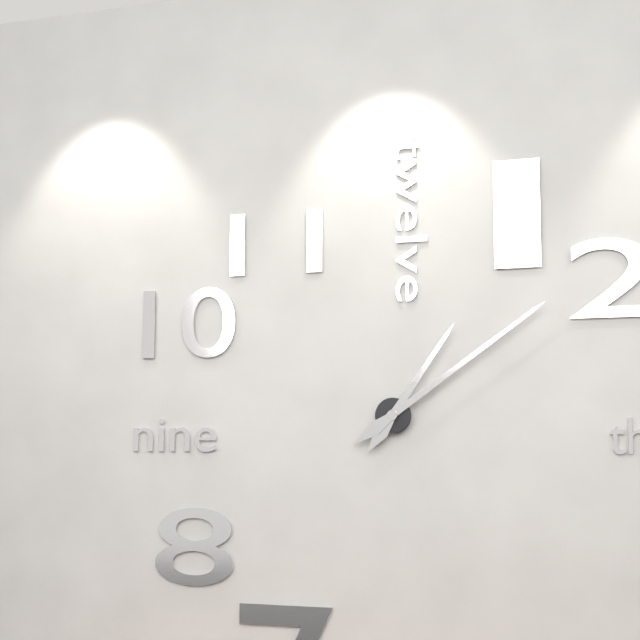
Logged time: 1 h 09 min
